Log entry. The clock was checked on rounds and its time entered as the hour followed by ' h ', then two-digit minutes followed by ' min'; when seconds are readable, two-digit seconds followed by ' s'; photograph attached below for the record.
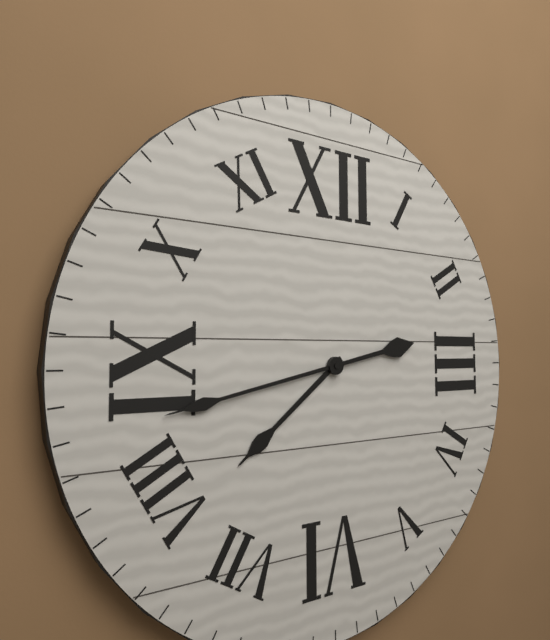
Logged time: 7 h 43 min
